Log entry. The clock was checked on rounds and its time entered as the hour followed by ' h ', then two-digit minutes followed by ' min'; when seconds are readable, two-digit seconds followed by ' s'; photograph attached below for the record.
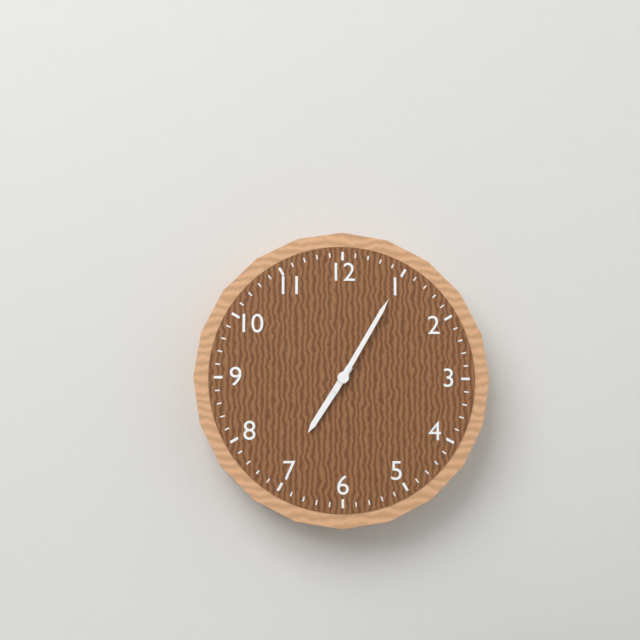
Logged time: 7 h 05 min
